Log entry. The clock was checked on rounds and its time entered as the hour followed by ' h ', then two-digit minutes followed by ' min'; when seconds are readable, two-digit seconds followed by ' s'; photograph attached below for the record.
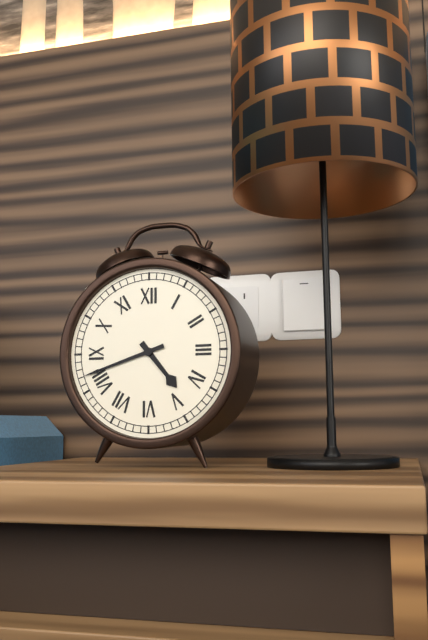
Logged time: 4 h 42 min
